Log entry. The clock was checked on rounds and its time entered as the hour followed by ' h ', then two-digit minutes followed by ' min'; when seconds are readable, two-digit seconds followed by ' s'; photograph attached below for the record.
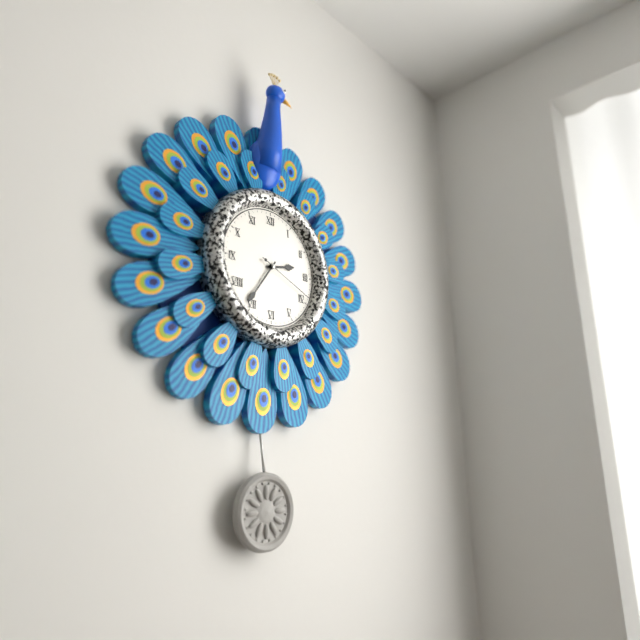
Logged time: 2 h 36 min 19 s
